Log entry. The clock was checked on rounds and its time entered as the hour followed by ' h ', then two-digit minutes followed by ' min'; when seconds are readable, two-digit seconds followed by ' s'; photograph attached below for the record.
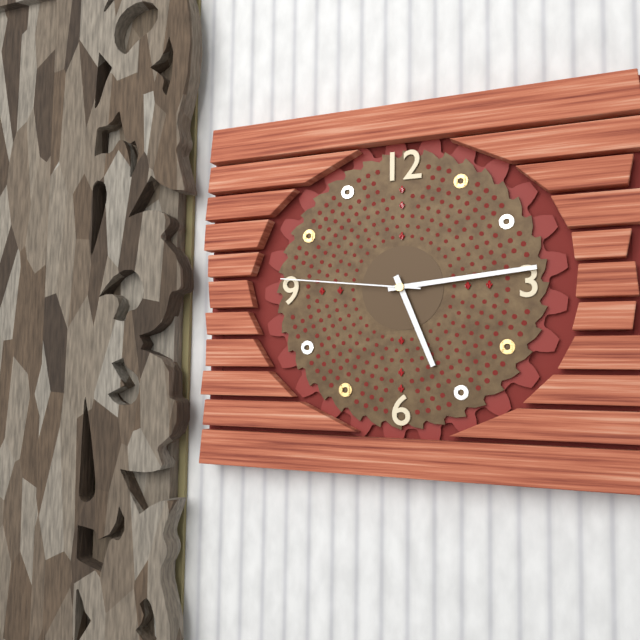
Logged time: 5 h 14 min 46 s
